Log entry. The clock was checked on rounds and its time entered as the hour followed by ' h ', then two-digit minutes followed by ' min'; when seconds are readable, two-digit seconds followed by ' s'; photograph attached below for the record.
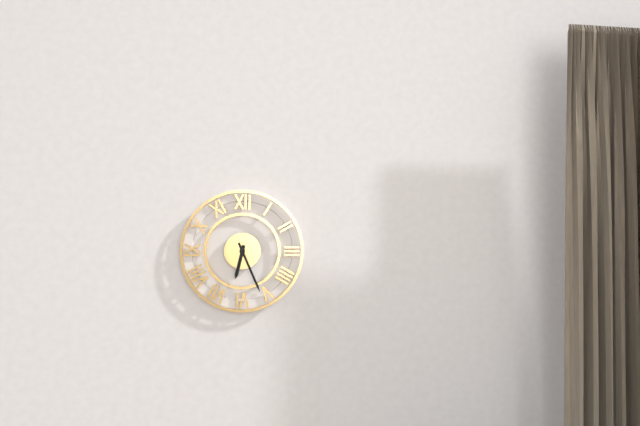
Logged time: 6 h 26 min
